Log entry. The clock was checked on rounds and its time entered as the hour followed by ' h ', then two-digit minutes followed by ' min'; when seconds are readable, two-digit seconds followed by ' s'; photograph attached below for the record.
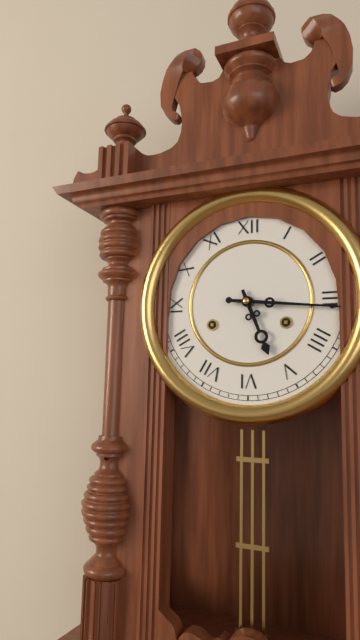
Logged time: 5 h 16 min
